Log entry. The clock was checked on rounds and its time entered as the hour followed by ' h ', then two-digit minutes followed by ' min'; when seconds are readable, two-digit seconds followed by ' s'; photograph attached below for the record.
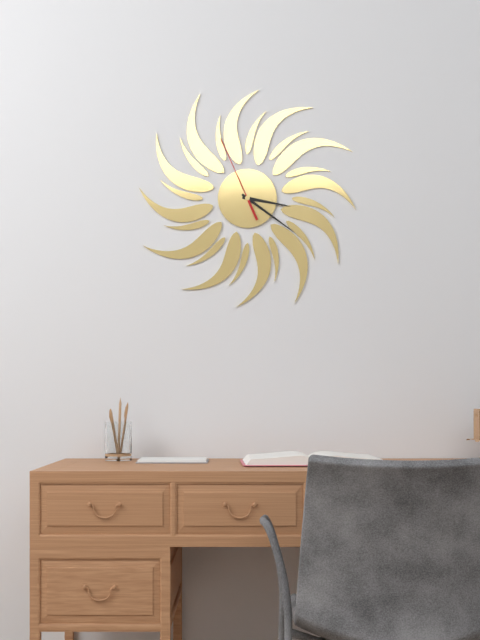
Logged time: 3 h 21 min 56 s
